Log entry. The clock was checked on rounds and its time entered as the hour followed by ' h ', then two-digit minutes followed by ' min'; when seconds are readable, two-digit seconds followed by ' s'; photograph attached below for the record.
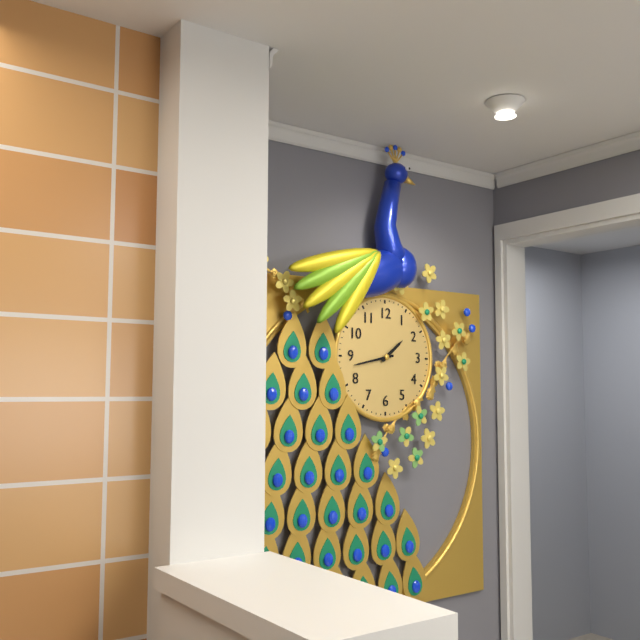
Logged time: 1 h 43 min
